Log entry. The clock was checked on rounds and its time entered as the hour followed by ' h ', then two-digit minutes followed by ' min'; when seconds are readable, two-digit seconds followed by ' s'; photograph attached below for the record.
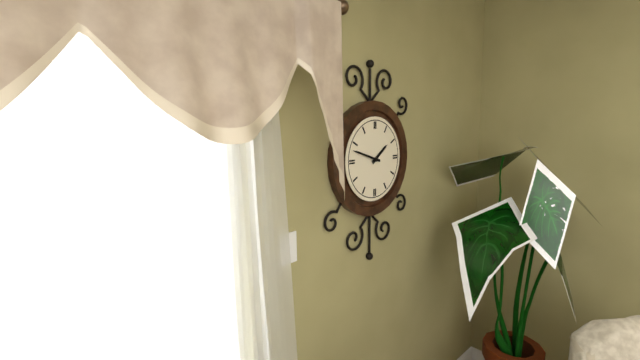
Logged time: 1 h 48 min
